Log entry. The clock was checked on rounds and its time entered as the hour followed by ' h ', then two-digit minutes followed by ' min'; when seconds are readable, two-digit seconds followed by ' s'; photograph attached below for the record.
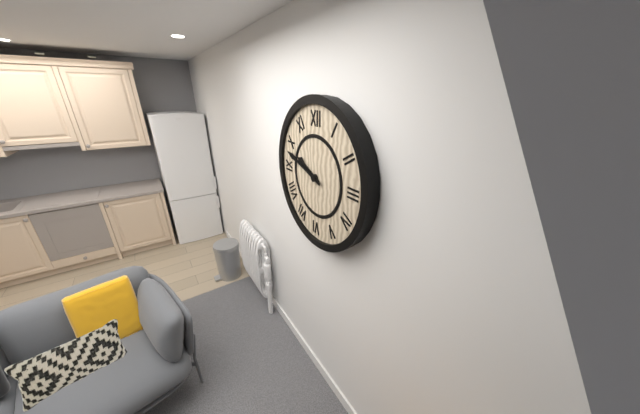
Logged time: 9 h 48 min
